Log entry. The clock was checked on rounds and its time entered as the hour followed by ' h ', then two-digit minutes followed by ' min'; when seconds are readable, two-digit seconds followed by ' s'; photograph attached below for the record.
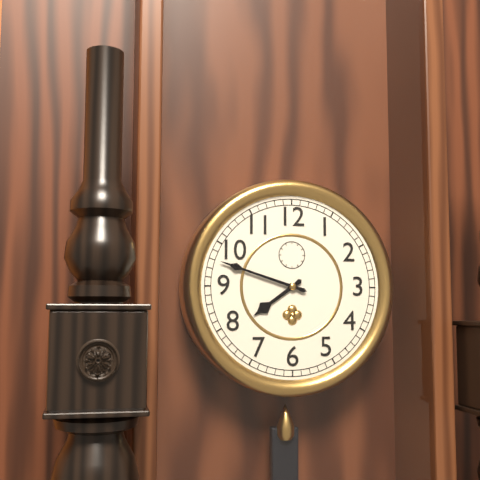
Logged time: 7 h 48 min
